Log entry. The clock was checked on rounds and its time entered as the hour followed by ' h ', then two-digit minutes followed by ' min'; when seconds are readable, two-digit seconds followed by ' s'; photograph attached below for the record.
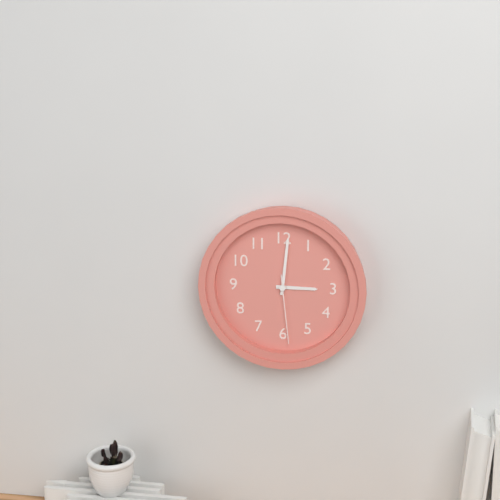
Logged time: 3 h 01 min 29 s
